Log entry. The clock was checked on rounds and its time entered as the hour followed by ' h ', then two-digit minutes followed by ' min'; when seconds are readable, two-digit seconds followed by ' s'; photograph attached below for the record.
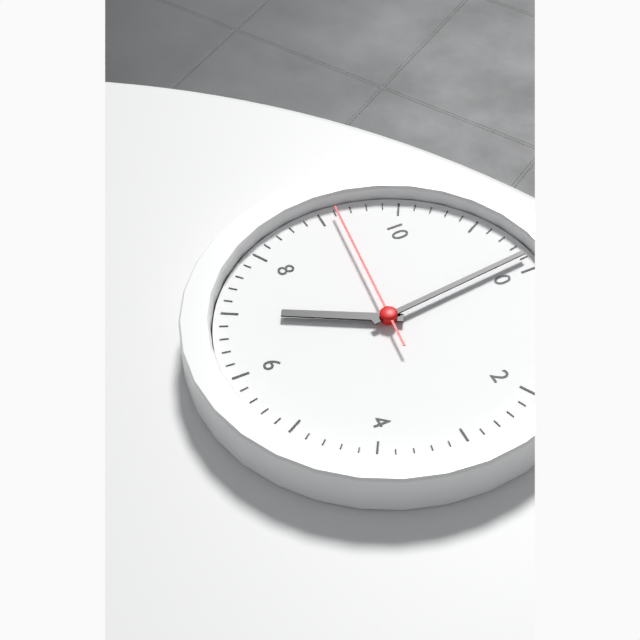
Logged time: 6 h 59 min 46 s
